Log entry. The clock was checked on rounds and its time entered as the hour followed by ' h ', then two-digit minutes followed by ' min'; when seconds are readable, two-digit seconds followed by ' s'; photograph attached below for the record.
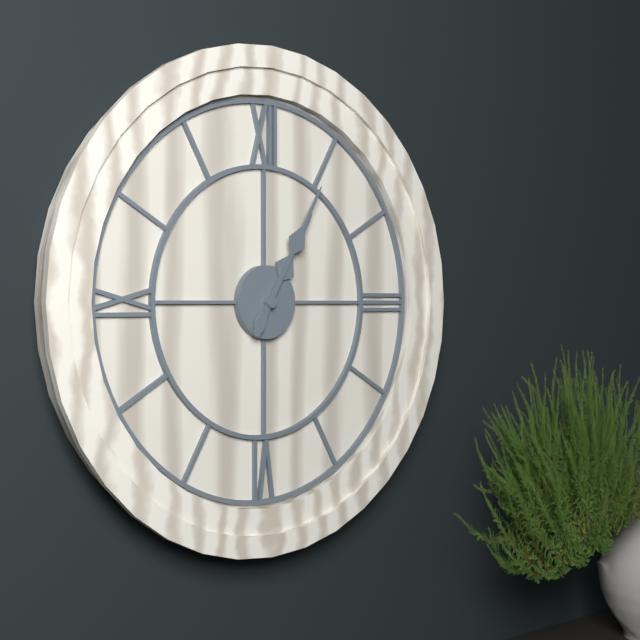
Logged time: 1 h 05 min
